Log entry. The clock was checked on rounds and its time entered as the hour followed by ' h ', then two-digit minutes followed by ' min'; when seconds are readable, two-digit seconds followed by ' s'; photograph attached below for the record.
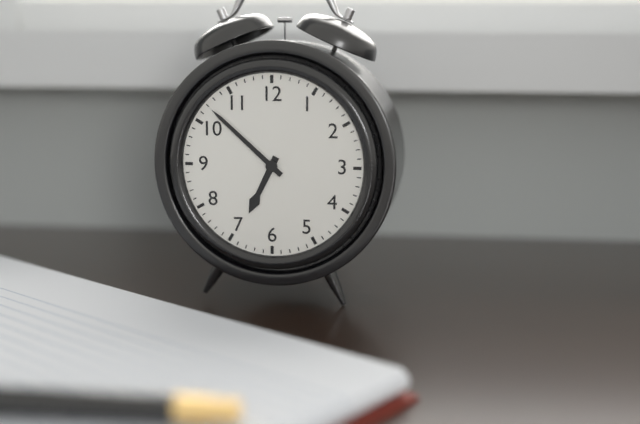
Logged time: 6 h 52 min
